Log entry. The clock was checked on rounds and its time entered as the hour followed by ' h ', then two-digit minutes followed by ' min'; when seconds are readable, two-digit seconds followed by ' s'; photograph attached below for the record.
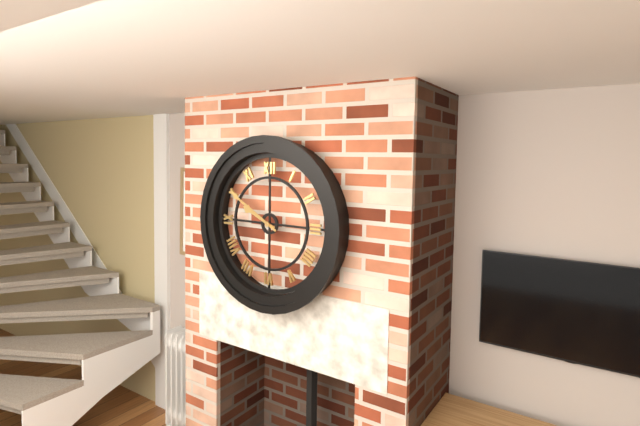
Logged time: 9 h 50 min
